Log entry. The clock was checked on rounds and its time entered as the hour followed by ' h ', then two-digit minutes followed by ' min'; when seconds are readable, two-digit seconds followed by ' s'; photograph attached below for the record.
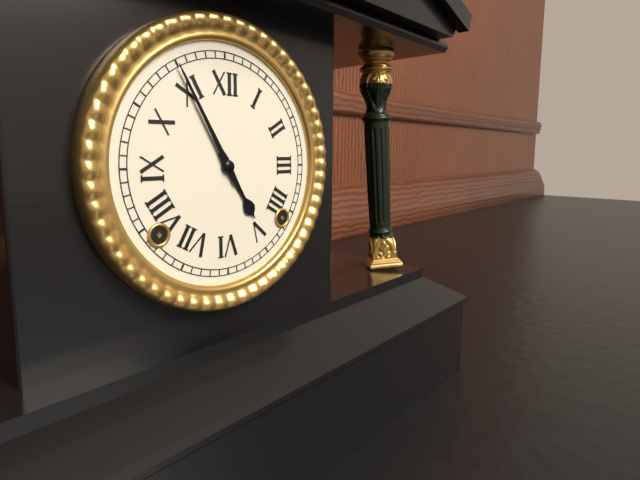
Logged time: 4 h 55 min
